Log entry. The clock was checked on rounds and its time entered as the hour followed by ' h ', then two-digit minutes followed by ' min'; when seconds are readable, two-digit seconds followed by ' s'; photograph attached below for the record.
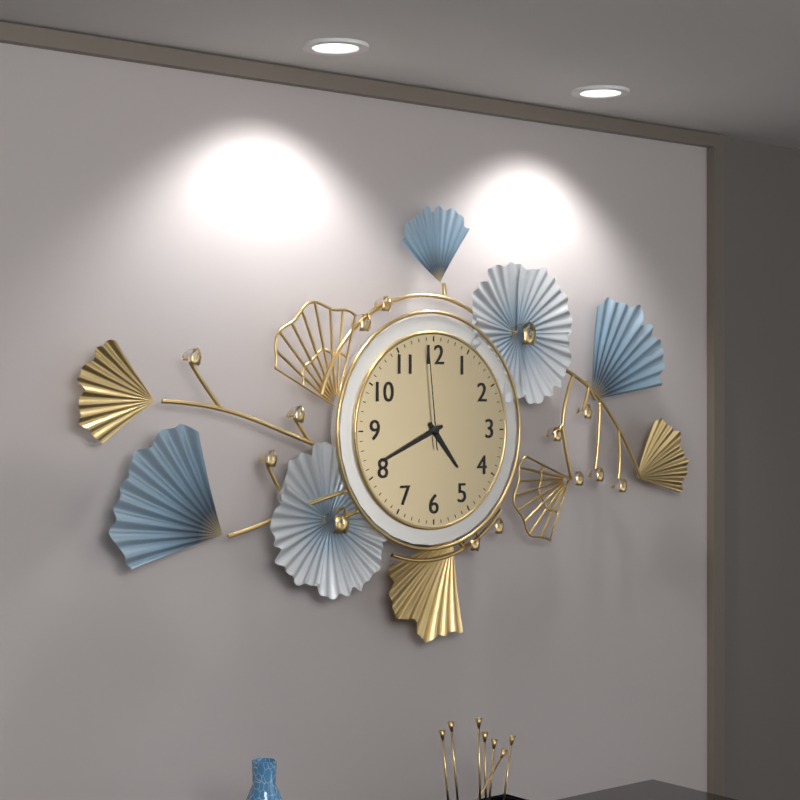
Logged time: 4 h 41 min 59 s
